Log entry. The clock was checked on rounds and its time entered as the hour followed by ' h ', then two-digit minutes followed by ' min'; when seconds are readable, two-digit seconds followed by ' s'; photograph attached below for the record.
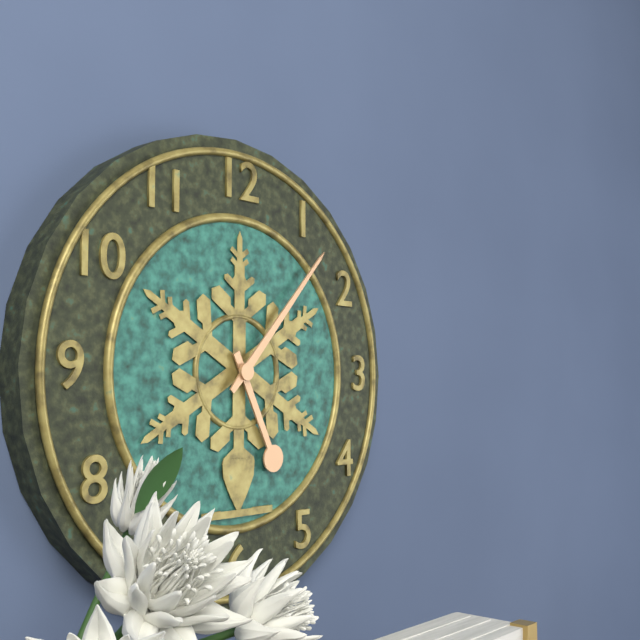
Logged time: 5 h 07 min
